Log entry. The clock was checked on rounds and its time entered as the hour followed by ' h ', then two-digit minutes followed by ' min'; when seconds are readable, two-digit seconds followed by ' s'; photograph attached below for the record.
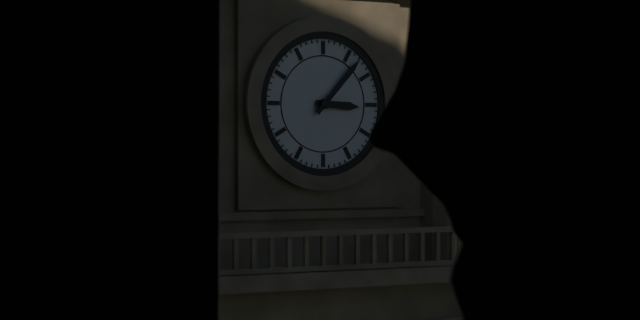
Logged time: 3 h 07 min
